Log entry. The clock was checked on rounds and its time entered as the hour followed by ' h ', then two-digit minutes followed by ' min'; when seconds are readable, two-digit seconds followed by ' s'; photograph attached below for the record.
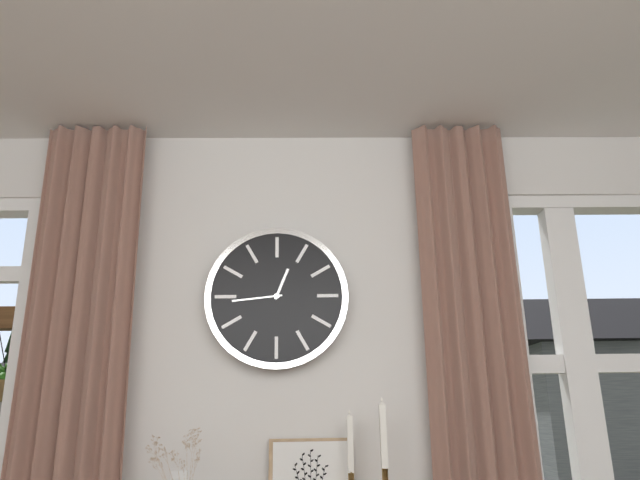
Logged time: 12 h 44 min
